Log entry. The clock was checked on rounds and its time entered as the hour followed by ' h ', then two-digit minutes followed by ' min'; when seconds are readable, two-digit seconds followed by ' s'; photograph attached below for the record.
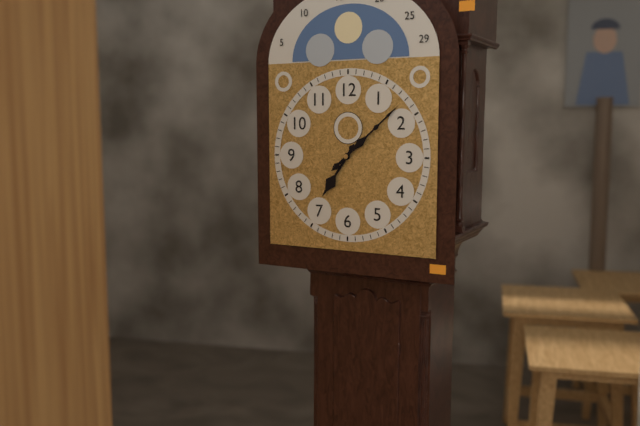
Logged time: 7 h 08 min
